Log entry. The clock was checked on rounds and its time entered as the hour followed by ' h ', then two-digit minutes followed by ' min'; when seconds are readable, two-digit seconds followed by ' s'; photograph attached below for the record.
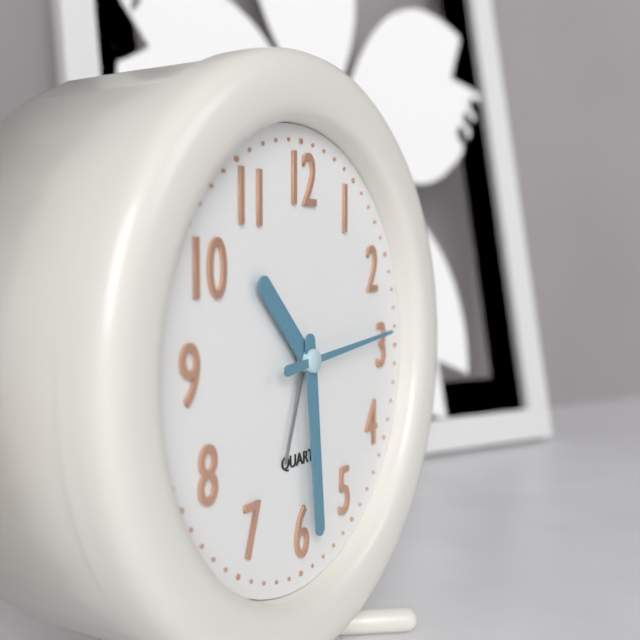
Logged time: 10 h 29 min 14 s
